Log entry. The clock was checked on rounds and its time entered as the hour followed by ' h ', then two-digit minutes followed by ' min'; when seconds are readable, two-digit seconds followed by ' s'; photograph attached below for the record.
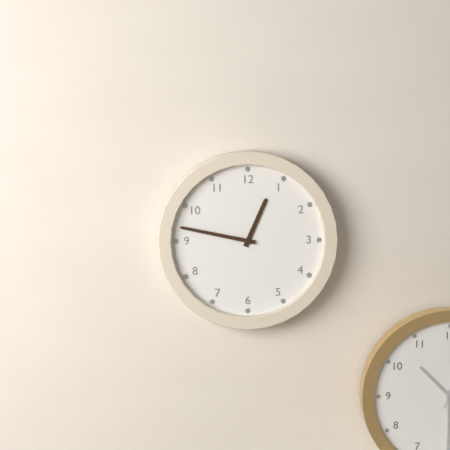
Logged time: 12 h 47 min
